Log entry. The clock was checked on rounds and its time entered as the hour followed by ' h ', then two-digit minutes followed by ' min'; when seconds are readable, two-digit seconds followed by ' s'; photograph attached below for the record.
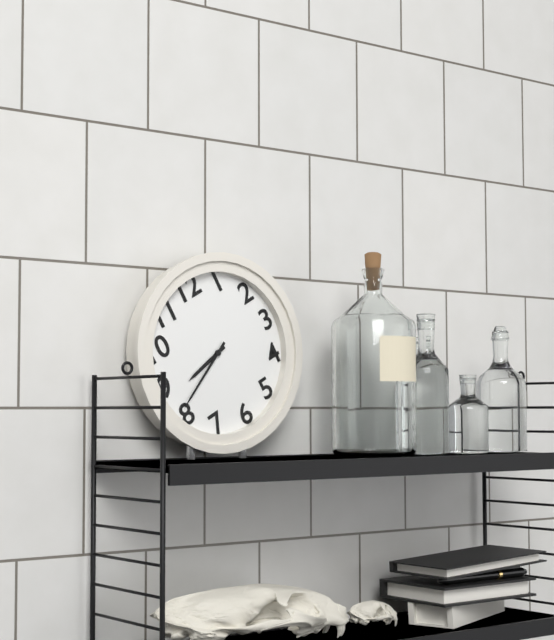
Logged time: 8 h 41 min
